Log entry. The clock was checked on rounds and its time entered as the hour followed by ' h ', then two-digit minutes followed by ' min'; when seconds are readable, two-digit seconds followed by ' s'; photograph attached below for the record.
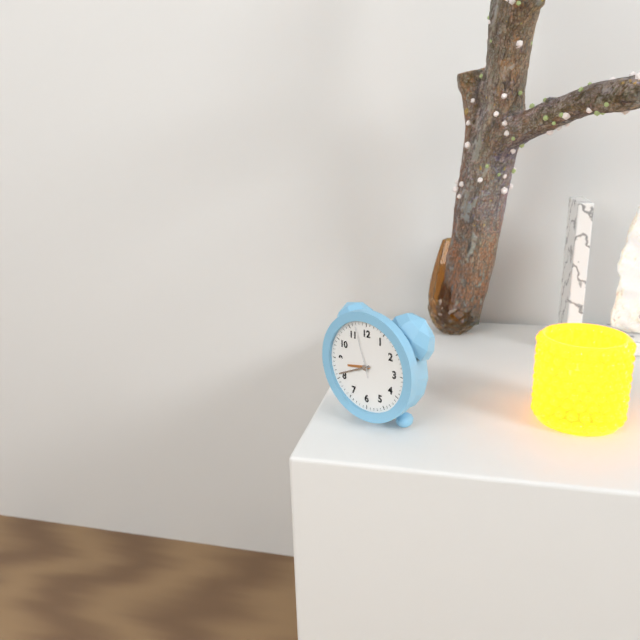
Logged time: 8 h 41 min 57 s
